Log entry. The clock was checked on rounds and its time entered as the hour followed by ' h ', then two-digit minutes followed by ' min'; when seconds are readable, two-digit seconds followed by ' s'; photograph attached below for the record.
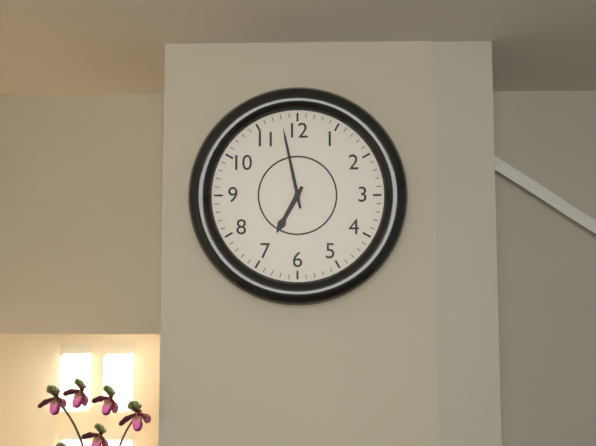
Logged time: 6 h 58 min
